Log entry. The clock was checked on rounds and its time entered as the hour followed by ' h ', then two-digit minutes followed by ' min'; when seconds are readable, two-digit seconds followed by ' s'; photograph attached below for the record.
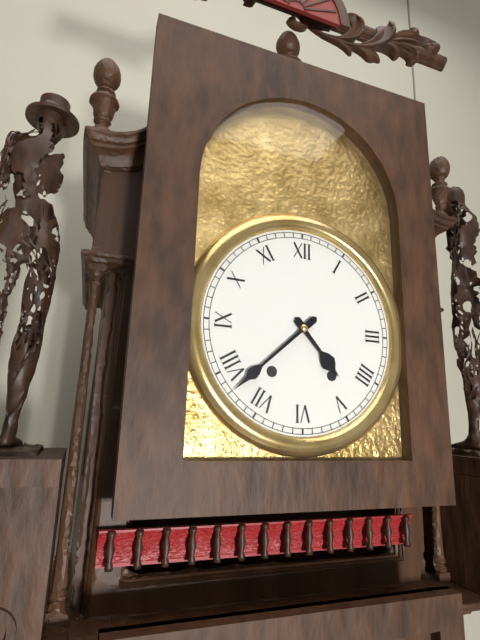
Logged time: 4 h 38 min
